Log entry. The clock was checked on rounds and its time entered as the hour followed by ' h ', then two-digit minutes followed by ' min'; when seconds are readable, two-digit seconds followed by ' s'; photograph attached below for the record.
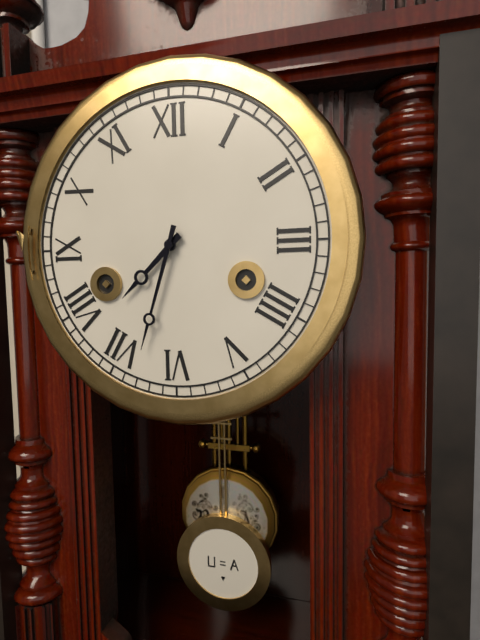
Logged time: 7 h 33 min
